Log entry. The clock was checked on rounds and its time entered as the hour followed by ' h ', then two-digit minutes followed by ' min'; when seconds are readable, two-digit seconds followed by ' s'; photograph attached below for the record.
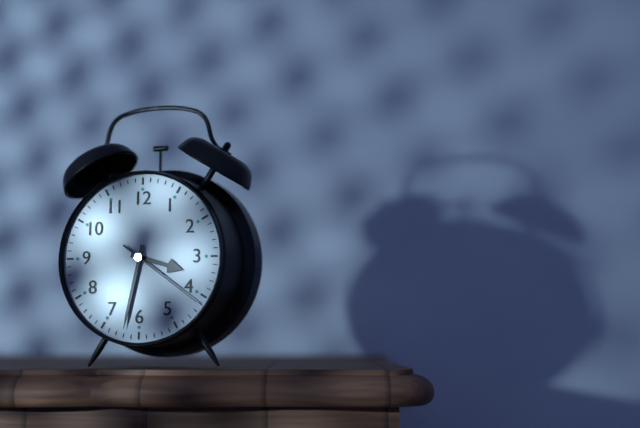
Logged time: 3 h 32 min 21 s
